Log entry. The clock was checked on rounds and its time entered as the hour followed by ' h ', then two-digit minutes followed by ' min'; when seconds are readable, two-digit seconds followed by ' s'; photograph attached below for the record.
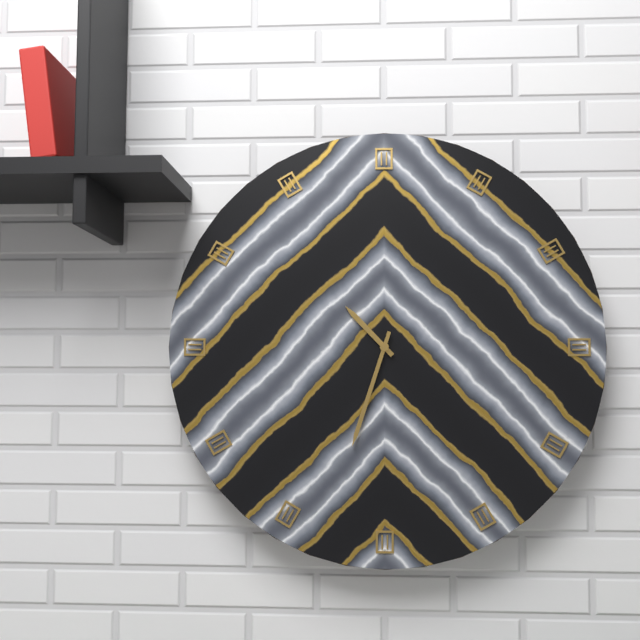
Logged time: 10 h 33 min
